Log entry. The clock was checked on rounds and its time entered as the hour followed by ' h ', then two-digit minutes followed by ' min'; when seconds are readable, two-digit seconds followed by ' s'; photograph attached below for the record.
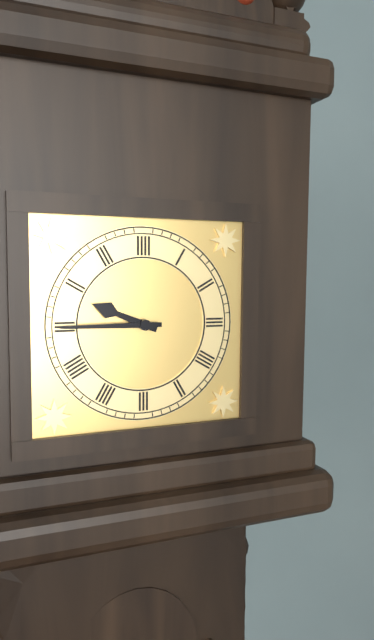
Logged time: 9 h 45 min
